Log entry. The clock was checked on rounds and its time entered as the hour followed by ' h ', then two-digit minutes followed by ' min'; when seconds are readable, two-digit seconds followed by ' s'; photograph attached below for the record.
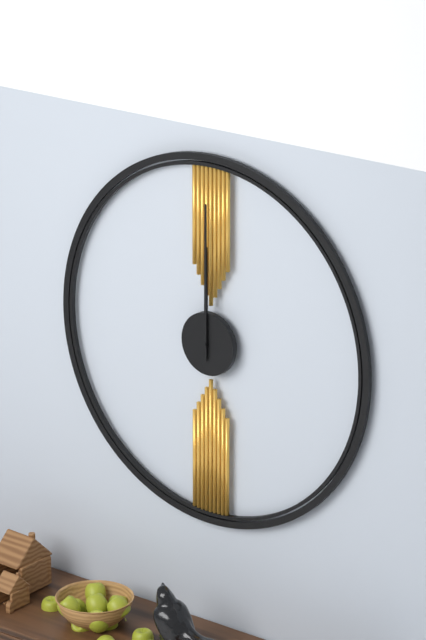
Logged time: 12 h 00 min
